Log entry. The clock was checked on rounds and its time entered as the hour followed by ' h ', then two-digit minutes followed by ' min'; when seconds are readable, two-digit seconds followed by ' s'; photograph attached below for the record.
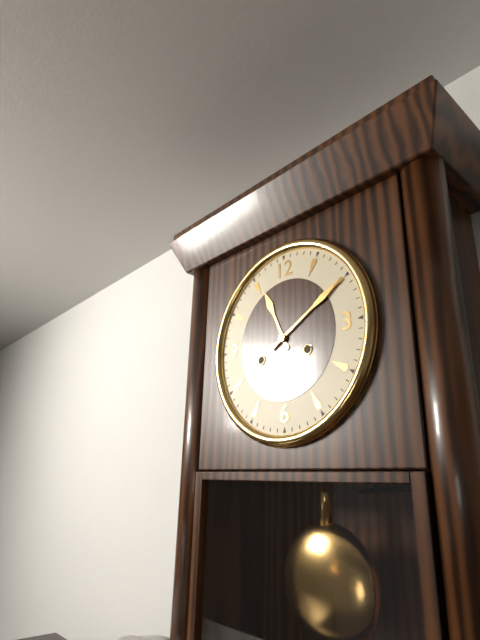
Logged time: 11 h 10 min
